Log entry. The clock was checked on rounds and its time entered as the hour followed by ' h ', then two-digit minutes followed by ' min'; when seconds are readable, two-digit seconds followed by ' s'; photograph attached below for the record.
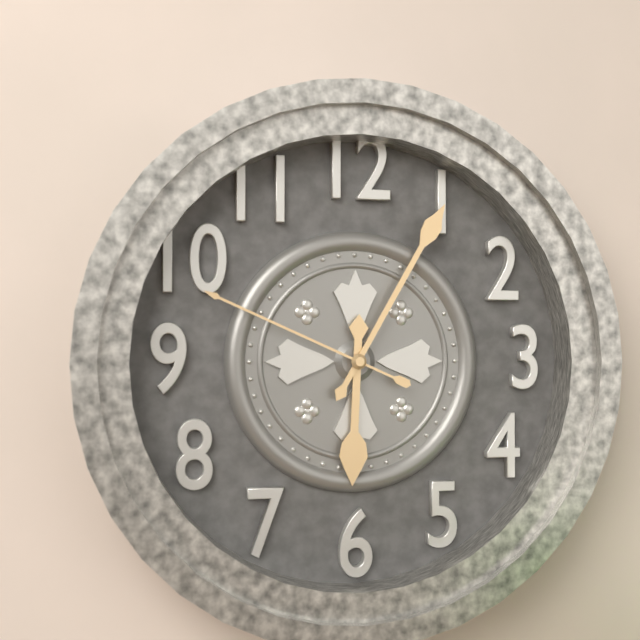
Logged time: 6 h 05 min 49 s
